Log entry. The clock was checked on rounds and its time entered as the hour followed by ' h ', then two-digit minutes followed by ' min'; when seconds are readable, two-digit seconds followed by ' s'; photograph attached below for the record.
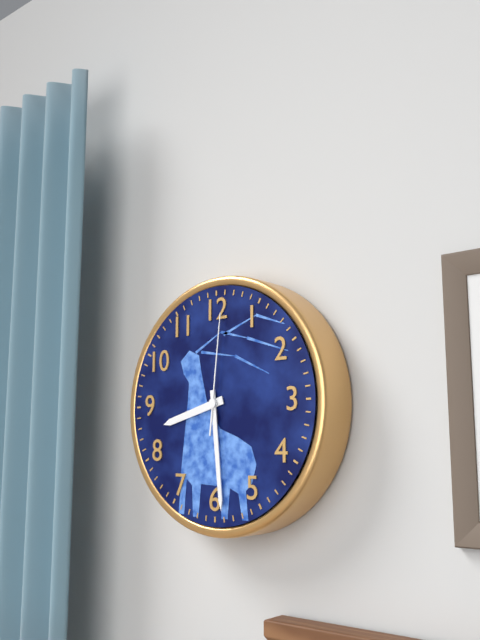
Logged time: 8 h 29 min 01 s
